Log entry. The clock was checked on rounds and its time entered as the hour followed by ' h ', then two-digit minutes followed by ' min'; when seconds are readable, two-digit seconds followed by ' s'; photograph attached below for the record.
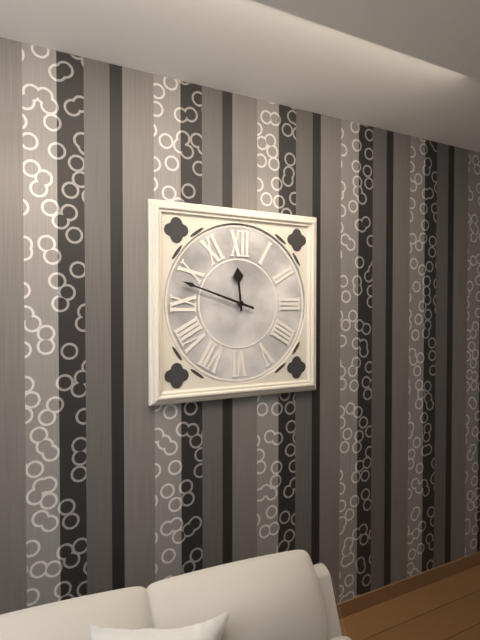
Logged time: 11 h 48 min
